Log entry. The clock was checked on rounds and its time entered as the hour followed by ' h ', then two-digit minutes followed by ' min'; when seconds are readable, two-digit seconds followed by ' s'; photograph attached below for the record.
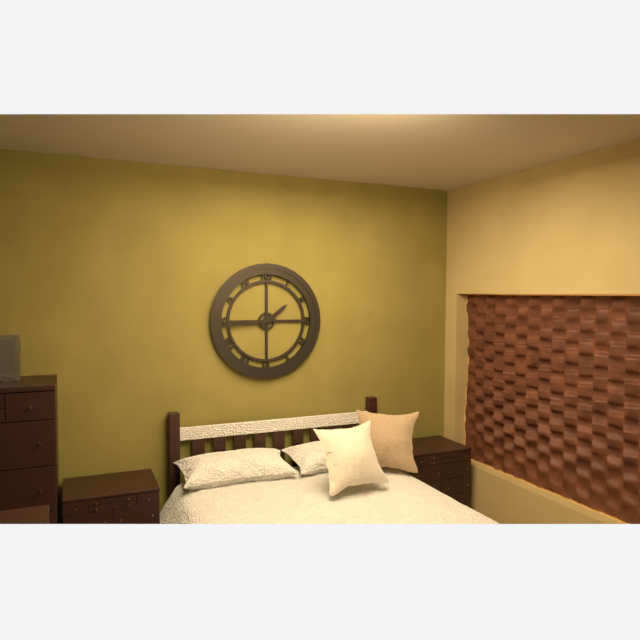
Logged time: 1 h 44 min
